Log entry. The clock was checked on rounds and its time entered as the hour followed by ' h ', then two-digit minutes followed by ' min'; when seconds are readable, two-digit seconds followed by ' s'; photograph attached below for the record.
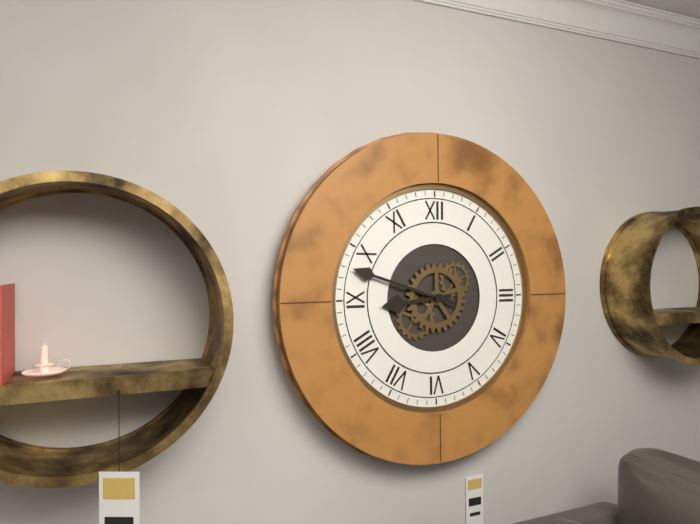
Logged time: 8 h 48 min
